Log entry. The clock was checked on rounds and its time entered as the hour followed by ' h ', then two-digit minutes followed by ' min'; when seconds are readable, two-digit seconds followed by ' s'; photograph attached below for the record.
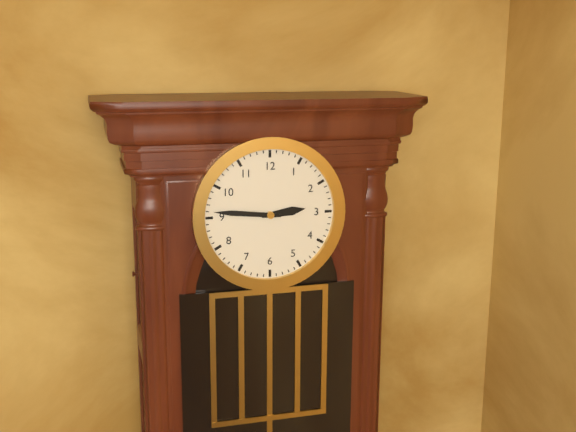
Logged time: 2 h 46 min
